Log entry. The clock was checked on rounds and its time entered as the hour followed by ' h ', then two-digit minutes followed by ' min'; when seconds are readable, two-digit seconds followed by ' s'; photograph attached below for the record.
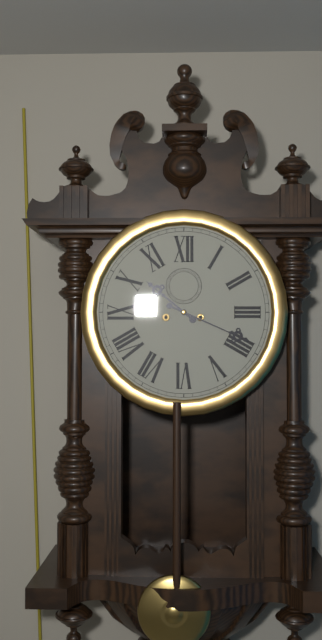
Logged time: 10 h 19 min
